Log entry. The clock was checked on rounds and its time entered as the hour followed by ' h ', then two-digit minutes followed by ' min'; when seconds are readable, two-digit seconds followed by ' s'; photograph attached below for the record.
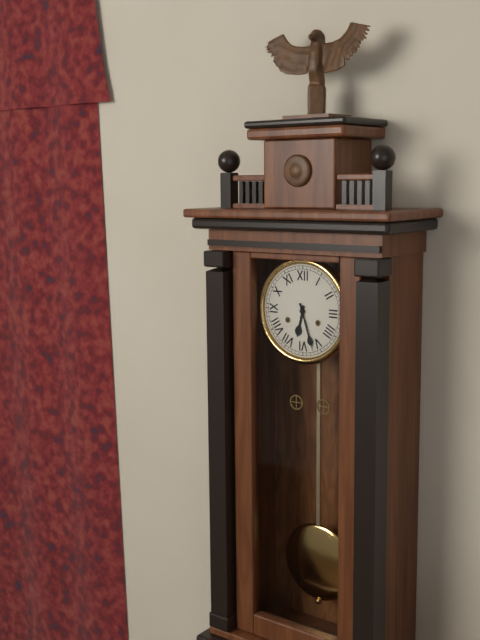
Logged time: 6 h 27 min
